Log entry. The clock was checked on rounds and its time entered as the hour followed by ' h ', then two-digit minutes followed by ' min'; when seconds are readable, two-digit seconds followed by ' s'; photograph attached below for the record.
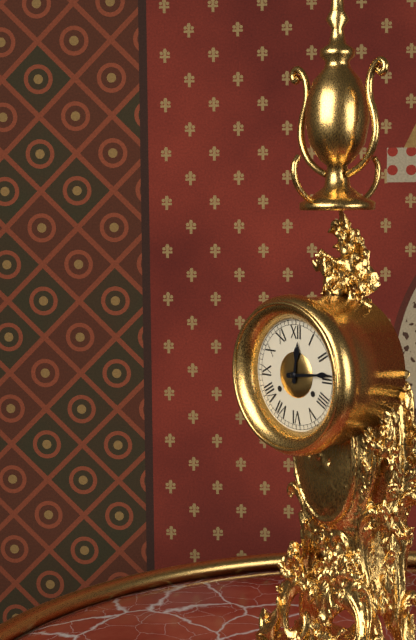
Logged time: 12 h 14 min
